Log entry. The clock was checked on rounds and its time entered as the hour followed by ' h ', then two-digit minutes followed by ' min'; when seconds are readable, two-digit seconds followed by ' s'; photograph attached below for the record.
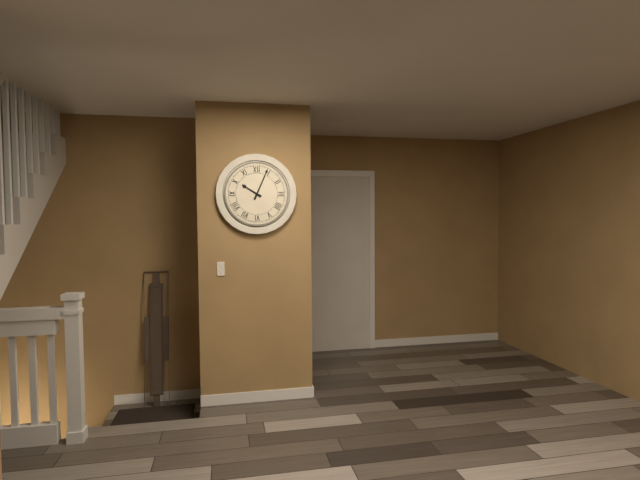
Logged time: 10 h 04 min
